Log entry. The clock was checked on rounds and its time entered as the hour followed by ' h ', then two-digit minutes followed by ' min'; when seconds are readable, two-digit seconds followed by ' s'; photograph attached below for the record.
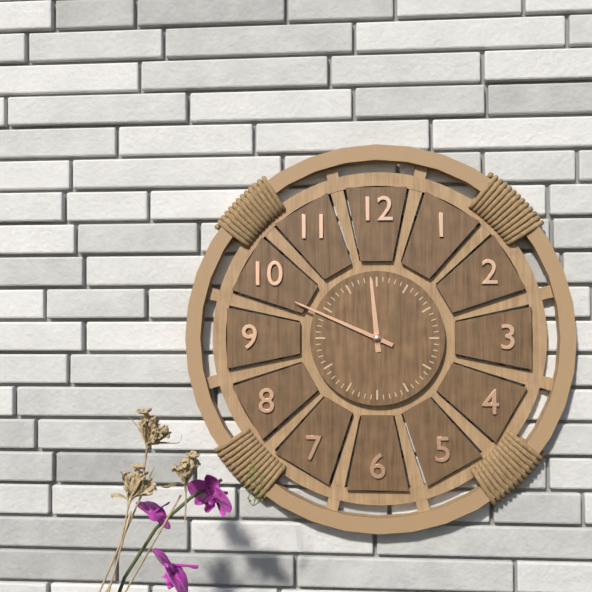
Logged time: 11 h 49 min
